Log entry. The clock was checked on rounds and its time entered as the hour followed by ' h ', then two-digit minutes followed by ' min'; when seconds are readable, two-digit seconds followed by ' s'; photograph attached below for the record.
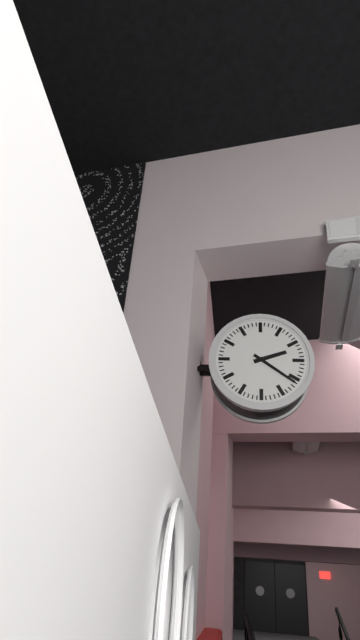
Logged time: 2 h 21 min
